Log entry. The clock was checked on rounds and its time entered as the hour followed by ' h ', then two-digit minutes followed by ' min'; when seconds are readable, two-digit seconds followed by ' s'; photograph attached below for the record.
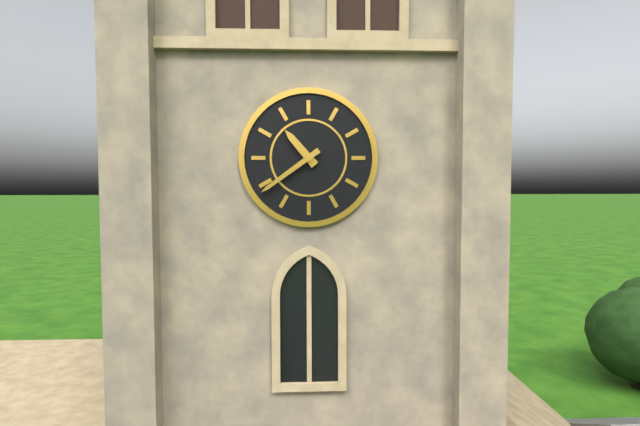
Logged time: 10 h 39 min
